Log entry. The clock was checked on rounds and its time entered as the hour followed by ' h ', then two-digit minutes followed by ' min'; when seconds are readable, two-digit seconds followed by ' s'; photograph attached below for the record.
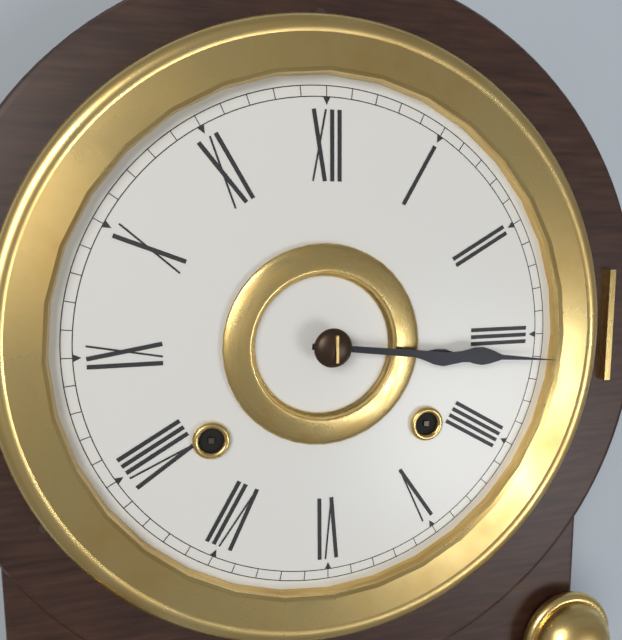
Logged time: 3 h 16 min
